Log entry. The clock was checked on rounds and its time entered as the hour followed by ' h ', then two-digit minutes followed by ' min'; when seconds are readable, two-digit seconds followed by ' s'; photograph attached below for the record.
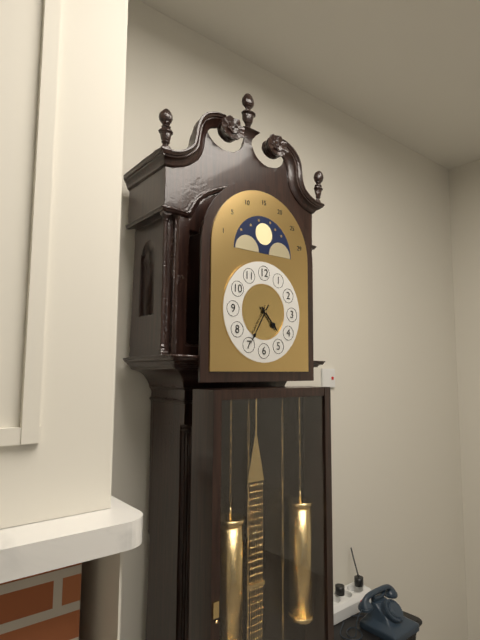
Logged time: 4 h 35 min
